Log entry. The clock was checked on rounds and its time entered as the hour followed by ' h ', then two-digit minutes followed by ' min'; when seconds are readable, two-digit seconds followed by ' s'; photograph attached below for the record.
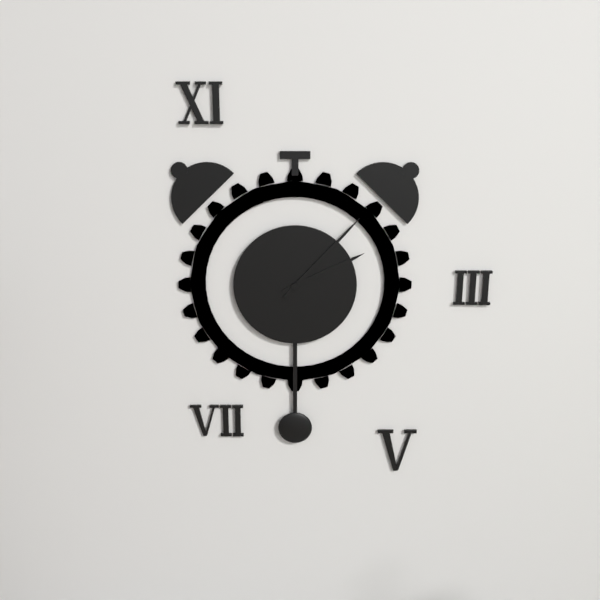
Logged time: 2 h 07 min
